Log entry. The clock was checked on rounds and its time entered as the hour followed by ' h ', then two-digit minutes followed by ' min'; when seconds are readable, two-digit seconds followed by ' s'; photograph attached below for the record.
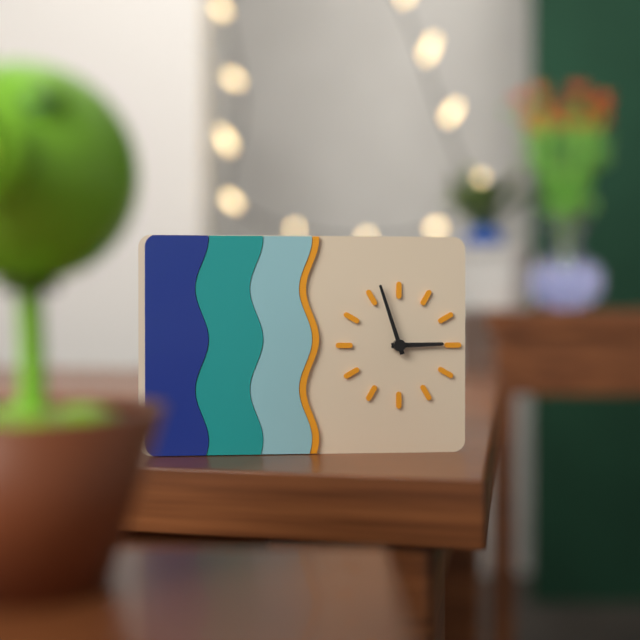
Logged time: 2 h 57 min
